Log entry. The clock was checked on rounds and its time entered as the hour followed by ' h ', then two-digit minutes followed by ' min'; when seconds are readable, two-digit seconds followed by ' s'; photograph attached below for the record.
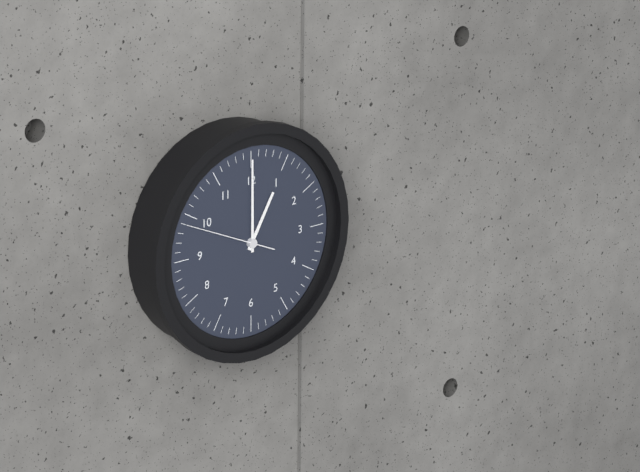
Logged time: 1 h 00 min 49 s
